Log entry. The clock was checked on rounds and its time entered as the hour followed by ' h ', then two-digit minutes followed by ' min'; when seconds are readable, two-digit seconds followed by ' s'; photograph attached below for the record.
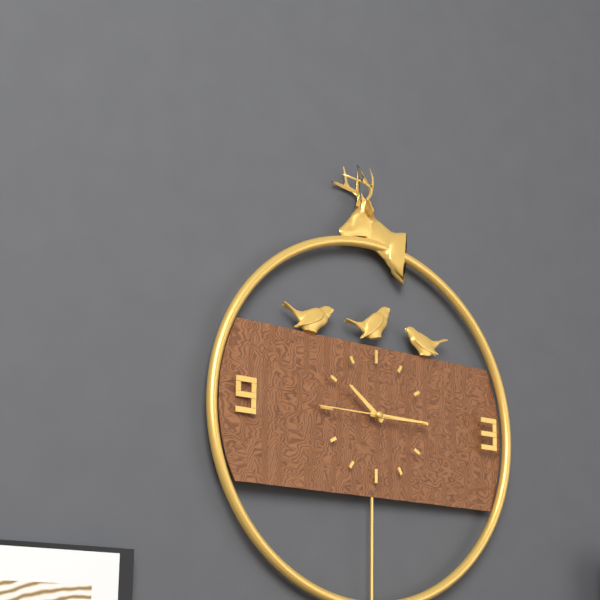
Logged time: 10 h 15 min 45 s
